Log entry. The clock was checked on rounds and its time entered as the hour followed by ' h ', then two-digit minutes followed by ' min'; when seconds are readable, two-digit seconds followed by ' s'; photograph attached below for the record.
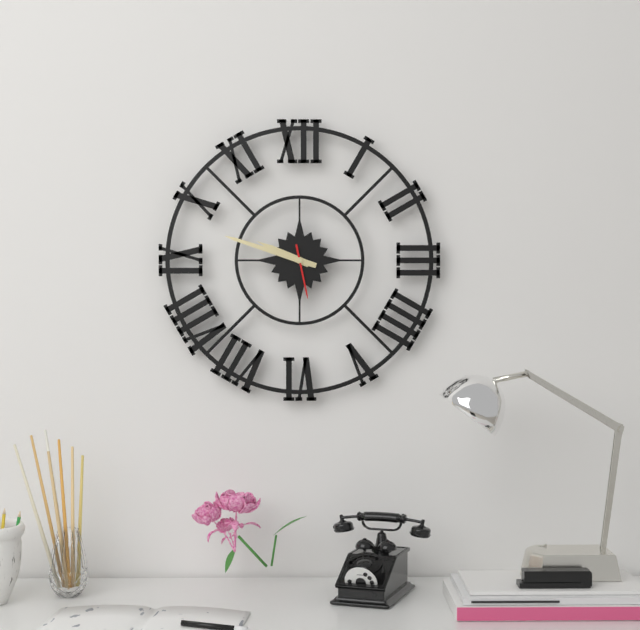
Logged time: 9 h 48 min 28 s
